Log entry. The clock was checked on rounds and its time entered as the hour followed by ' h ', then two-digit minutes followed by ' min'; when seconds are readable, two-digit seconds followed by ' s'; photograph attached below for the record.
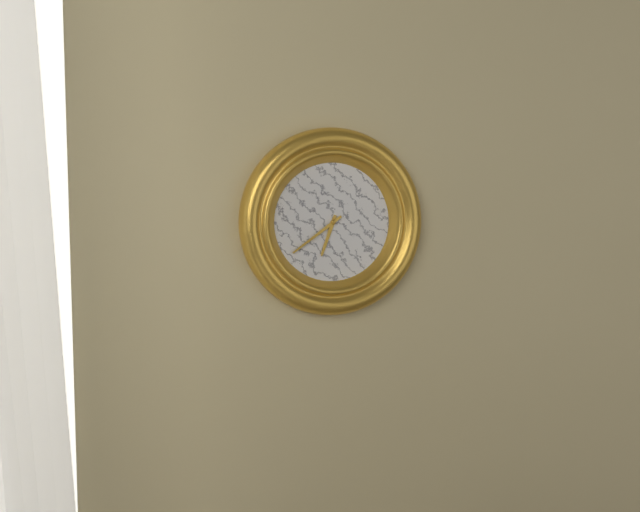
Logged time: 6 h 39 min
